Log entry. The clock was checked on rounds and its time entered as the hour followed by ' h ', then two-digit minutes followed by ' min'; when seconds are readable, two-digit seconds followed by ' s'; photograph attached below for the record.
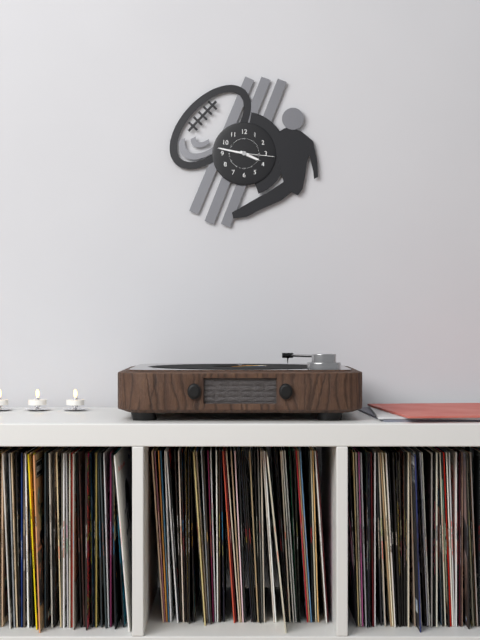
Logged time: 3 h 47 min
